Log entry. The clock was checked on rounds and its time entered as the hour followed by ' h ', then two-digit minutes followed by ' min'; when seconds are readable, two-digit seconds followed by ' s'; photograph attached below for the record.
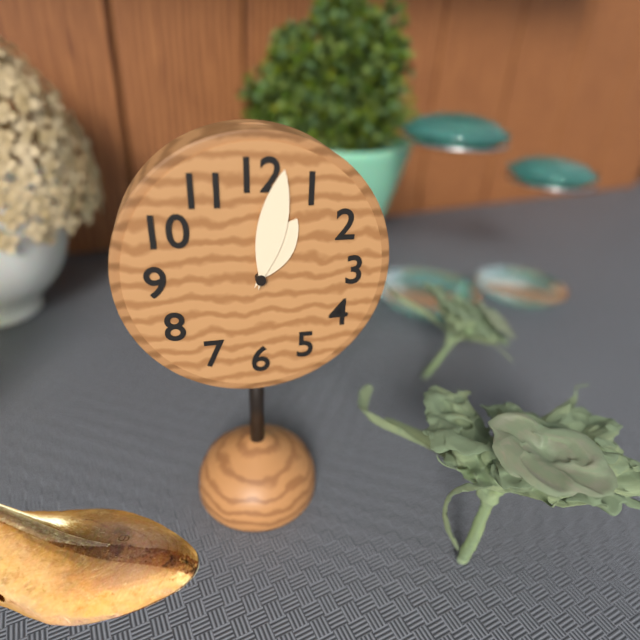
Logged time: 1 h 02 min
